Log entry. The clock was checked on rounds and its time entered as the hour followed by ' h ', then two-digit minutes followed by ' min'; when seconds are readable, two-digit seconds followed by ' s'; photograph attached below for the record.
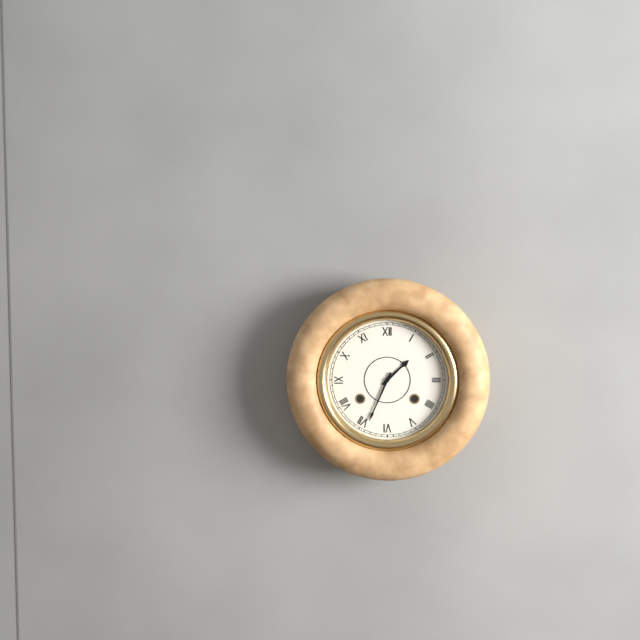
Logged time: 1 h 34 min
